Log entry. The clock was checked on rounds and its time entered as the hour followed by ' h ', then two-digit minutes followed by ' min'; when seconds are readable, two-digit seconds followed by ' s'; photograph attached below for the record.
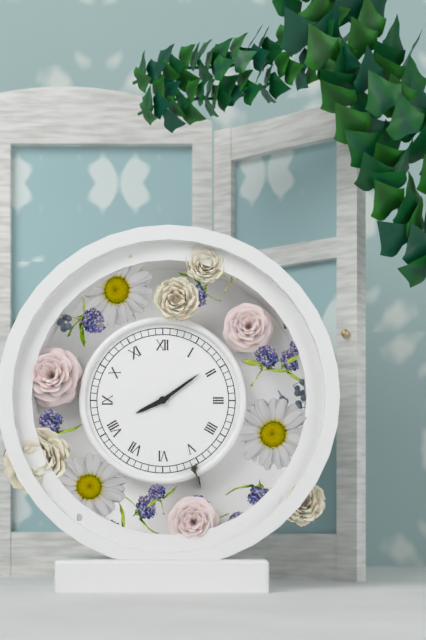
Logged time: 8 h 09 min
